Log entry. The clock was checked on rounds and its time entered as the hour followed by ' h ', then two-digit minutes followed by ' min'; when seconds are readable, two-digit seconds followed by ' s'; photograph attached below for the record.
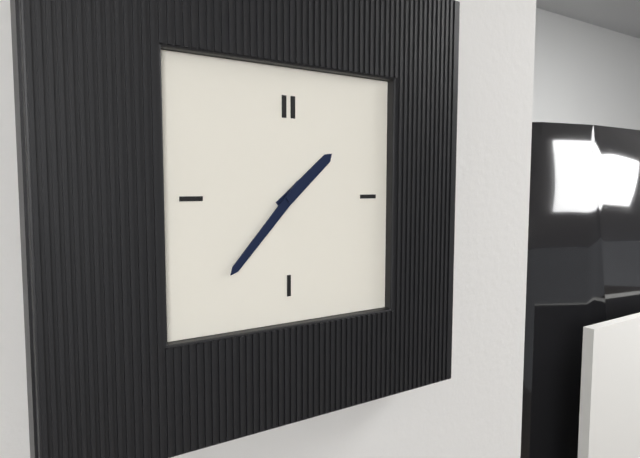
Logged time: 1 h 37 min
